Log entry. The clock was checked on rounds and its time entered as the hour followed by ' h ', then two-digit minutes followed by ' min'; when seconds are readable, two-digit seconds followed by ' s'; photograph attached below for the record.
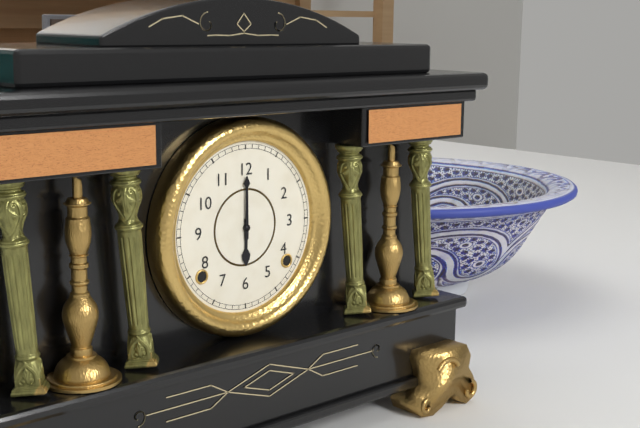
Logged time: 6 h 00 min
